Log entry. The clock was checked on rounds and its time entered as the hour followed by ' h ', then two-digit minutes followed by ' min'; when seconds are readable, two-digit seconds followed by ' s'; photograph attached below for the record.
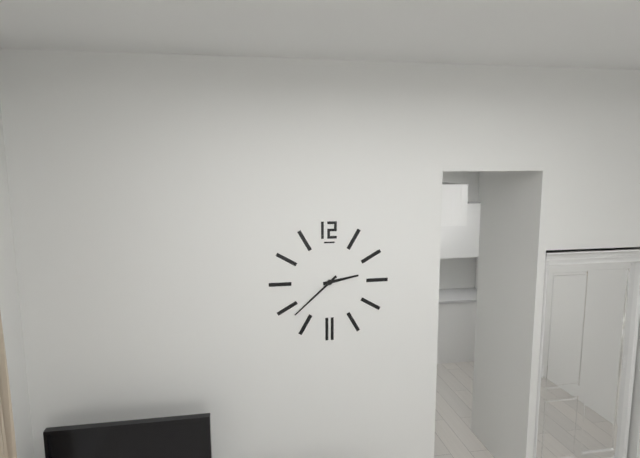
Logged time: 2 h 38 min
